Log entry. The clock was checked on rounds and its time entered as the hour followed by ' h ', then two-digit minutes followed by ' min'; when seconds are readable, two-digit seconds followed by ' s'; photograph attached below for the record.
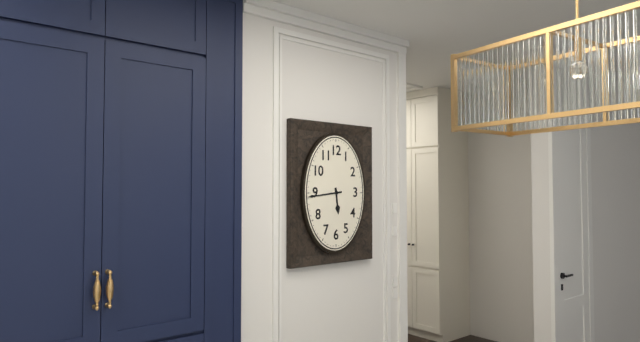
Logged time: 5 h 44 min
